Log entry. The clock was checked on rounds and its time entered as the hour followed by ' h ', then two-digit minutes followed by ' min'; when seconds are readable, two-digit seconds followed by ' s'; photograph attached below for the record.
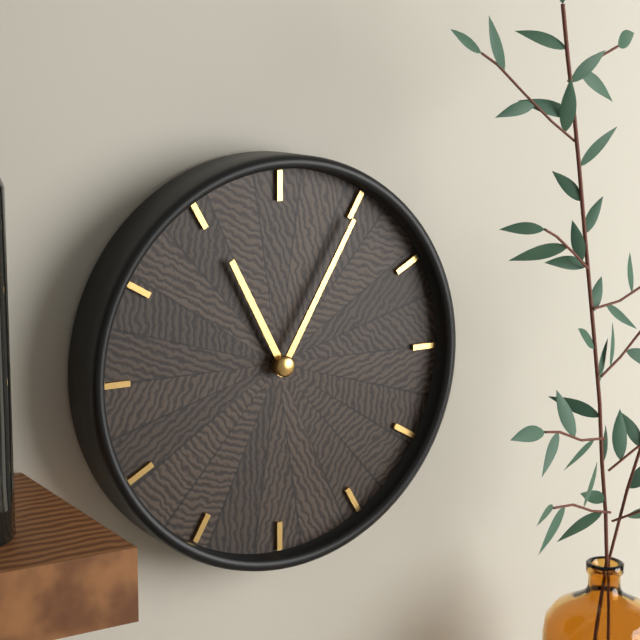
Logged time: 11 h 05 min
